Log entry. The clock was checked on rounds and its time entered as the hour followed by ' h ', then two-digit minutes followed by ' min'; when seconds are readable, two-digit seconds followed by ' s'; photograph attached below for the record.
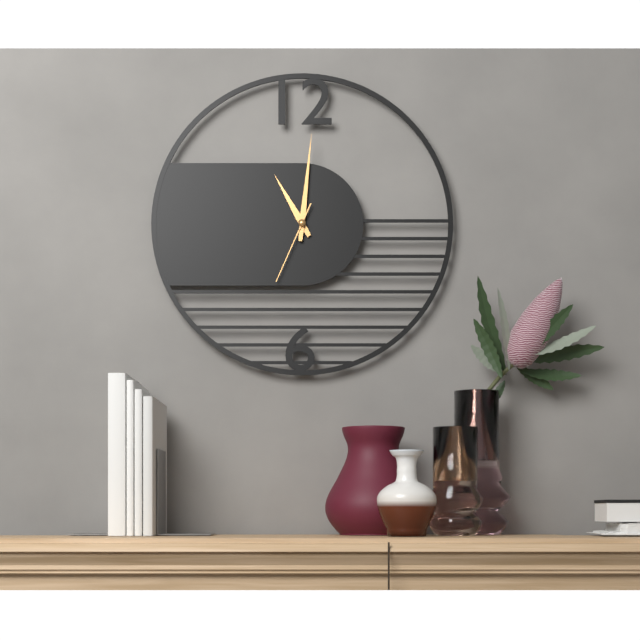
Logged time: 11 h 01 min 34 s
